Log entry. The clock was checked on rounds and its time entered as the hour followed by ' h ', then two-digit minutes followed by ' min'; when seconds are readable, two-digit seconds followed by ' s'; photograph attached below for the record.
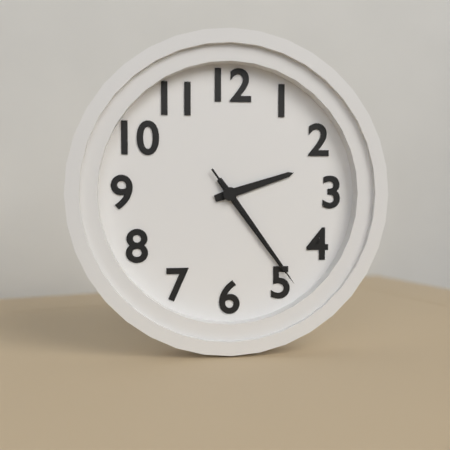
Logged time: 2 h 24 min 24 s
